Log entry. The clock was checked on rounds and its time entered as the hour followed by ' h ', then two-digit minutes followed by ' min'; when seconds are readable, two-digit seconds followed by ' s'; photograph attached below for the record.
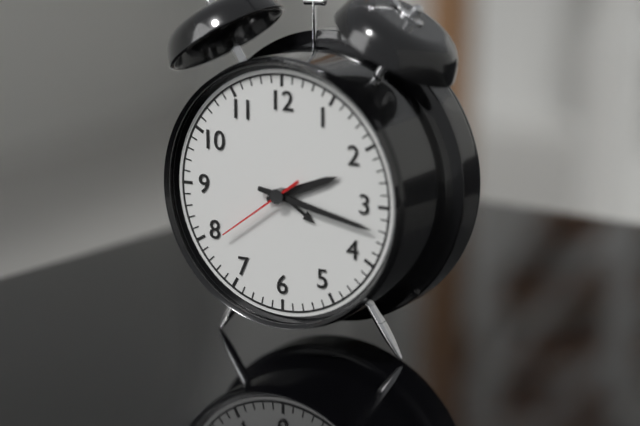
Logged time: 2 h 17 min 39 s
